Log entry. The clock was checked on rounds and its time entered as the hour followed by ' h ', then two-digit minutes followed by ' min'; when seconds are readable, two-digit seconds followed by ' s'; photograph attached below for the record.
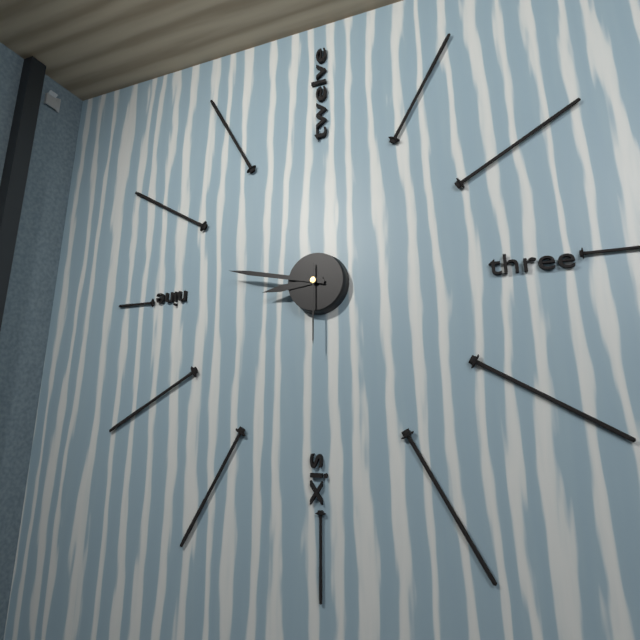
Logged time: 8 h 47 min 30 s
